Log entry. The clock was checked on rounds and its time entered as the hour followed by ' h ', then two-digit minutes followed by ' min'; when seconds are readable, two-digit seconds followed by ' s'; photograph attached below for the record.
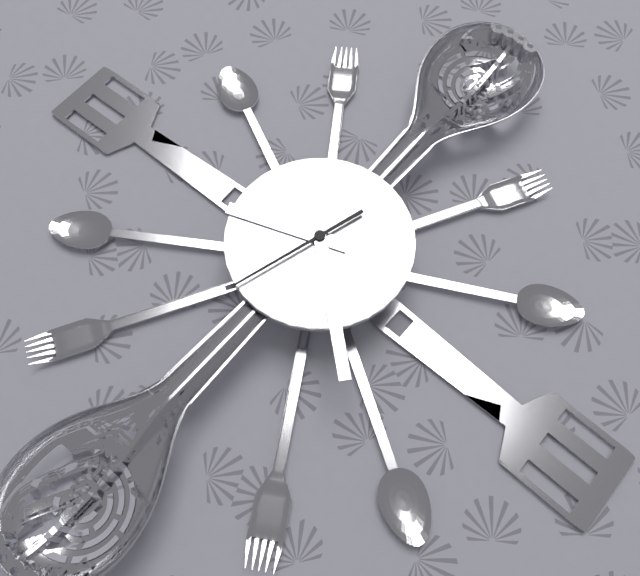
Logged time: 8 h 22 min 33 s
